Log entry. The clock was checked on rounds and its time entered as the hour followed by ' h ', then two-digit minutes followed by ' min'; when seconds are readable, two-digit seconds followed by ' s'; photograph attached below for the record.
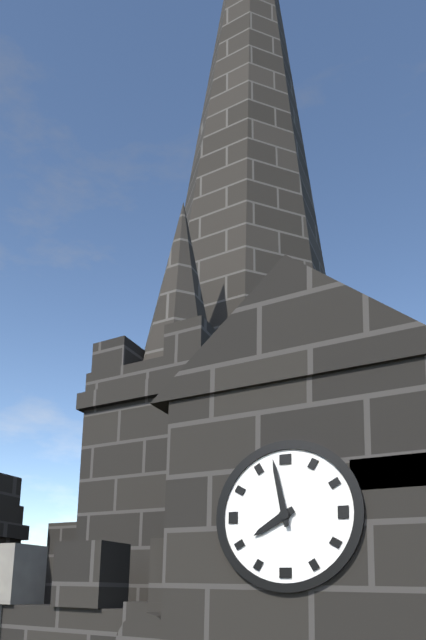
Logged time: 7 h 58 min
